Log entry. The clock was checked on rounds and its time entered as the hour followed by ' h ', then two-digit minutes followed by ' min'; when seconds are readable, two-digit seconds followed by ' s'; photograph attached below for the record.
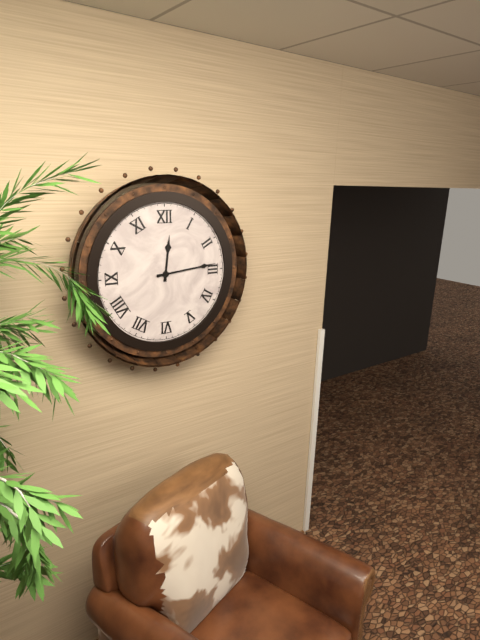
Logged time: 12 h 14 min
